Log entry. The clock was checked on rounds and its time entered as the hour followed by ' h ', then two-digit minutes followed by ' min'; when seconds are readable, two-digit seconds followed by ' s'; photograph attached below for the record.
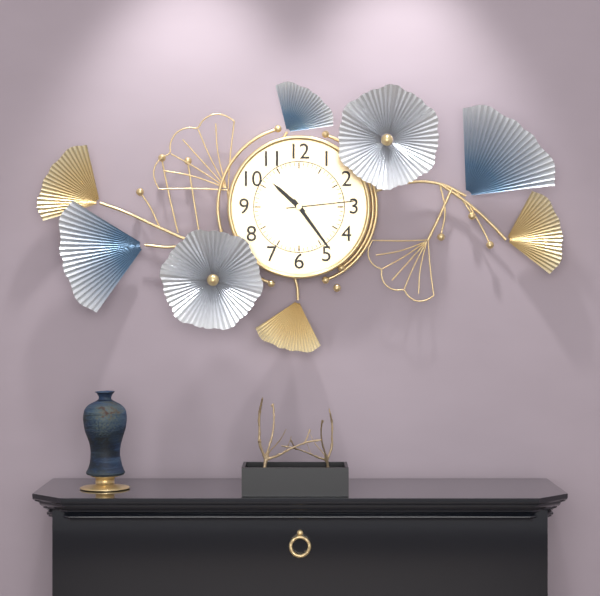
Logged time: 10 h 24 min 14 s
